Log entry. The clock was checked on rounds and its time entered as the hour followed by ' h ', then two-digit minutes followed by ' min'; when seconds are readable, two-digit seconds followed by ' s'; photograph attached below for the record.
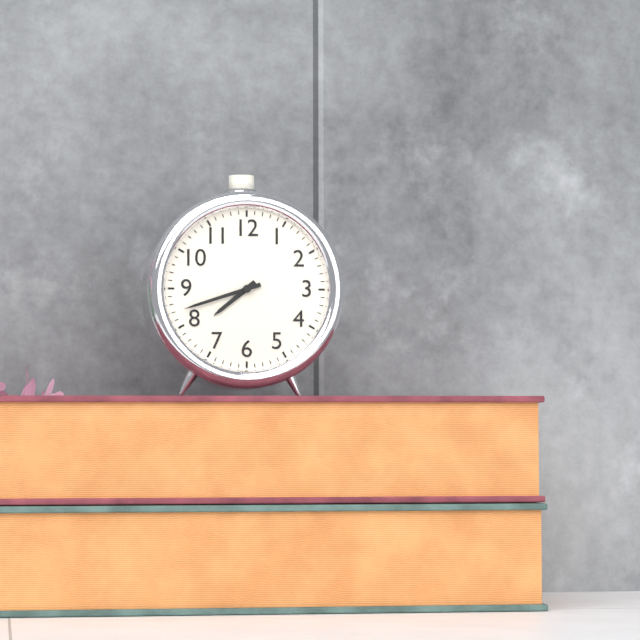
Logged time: 7 h 42 min
